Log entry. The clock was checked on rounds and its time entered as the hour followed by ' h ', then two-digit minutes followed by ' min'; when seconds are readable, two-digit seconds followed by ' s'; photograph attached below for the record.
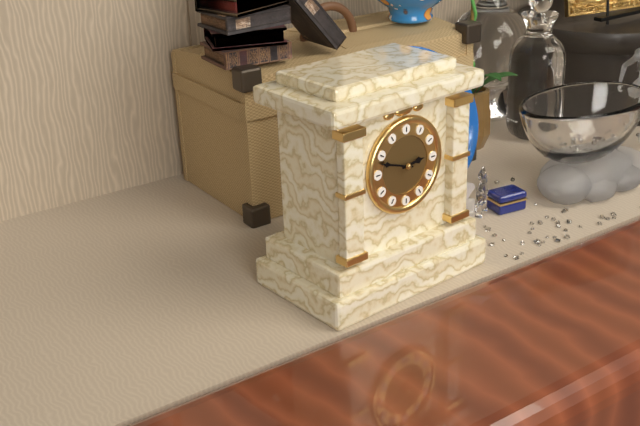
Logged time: 2 h 48 min
